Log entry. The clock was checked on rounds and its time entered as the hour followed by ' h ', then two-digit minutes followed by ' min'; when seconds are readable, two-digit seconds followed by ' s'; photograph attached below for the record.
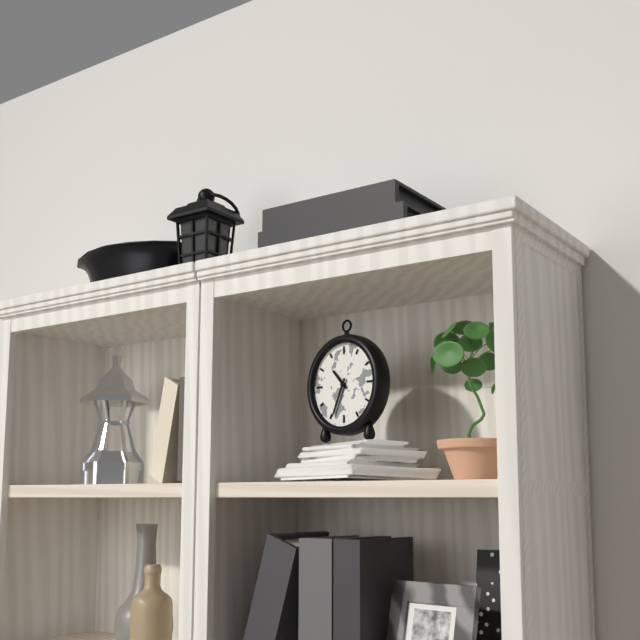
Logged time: 10 h 34 min
